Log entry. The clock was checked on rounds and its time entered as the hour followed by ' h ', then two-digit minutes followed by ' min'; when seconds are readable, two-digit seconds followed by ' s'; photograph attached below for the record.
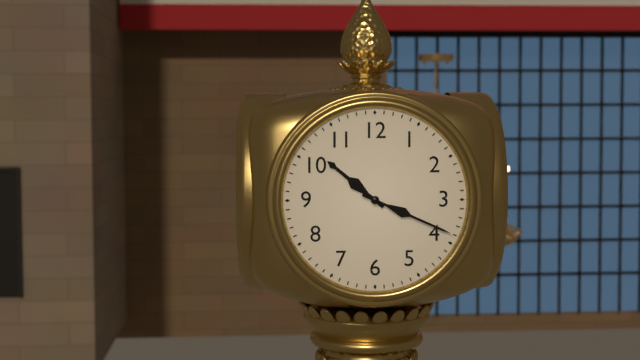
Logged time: 10 h 19 min
